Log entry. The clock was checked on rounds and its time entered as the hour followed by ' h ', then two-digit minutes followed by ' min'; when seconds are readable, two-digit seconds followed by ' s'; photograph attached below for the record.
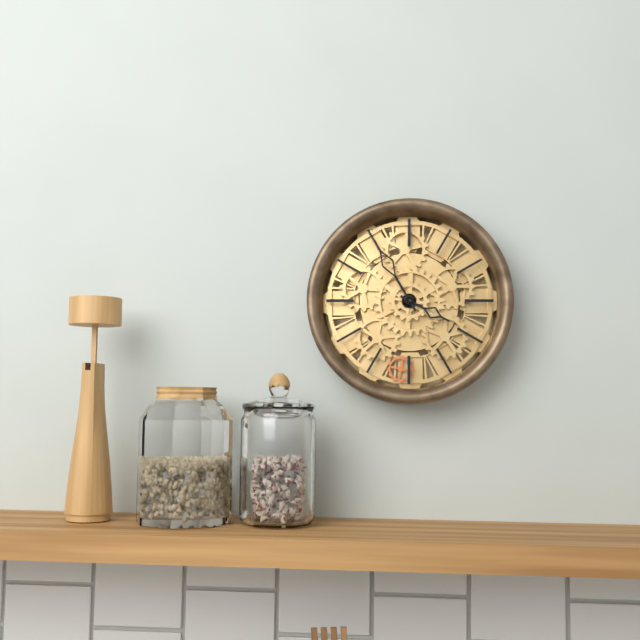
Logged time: 3 h 55 min
